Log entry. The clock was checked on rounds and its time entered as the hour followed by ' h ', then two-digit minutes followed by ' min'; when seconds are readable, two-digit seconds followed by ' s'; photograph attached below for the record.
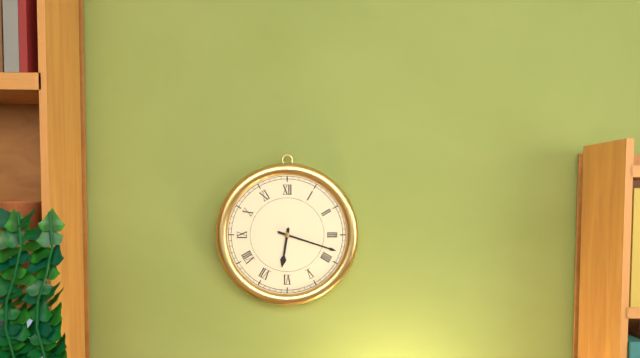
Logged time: 6 h 18 min
